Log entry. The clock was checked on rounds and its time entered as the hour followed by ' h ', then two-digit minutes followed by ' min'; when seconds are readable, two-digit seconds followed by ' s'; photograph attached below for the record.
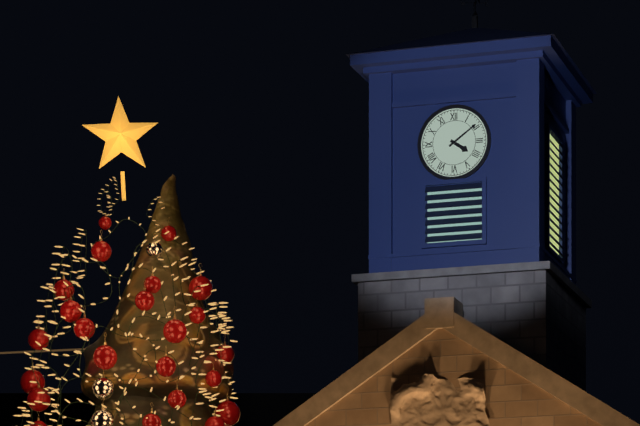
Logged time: 4 h 09 min
